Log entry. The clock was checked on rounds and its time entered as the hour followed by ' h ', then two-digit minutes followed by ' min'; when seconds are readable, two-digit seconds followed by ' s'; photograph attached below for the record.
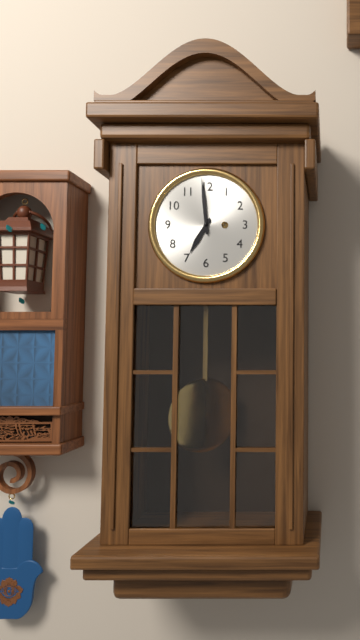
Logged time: 6 h 59 min
